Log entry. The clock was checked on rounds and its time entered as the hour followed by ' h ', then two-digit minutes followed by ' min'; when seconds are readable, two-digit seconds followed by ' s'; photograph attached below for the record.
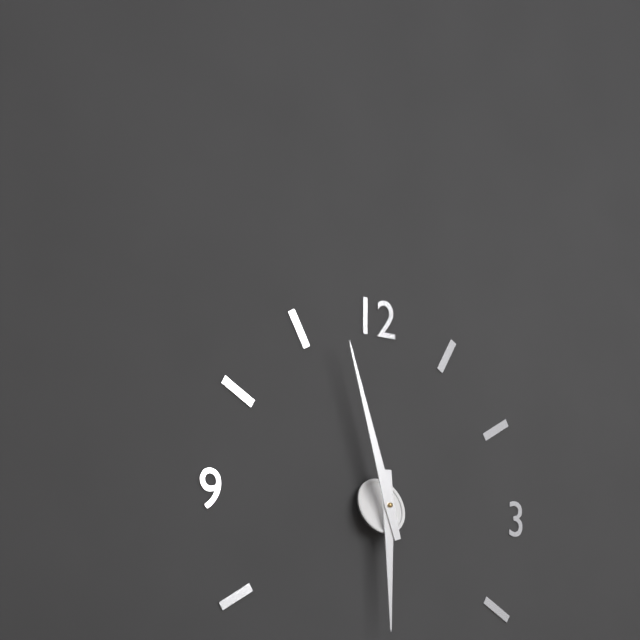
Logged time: 5 h 57 min
